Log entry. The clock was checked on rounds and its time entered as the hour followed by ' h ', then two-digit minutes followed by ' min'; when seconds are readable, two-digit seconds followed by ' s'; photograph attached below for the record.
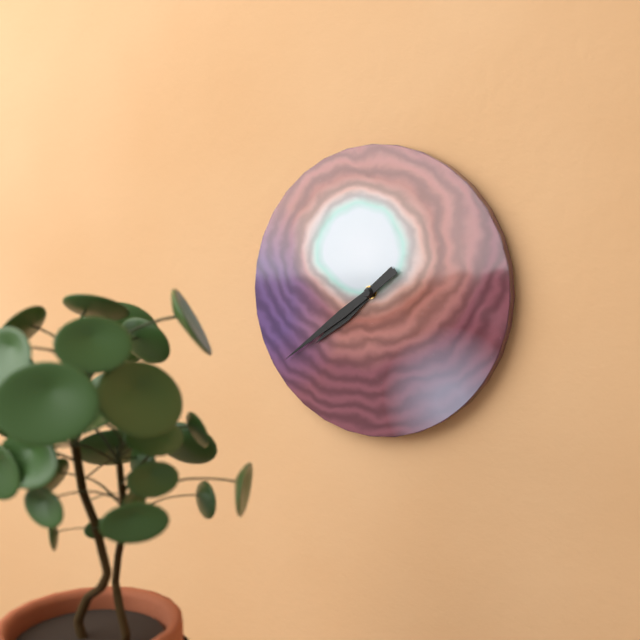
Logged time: 7 h 39 min
